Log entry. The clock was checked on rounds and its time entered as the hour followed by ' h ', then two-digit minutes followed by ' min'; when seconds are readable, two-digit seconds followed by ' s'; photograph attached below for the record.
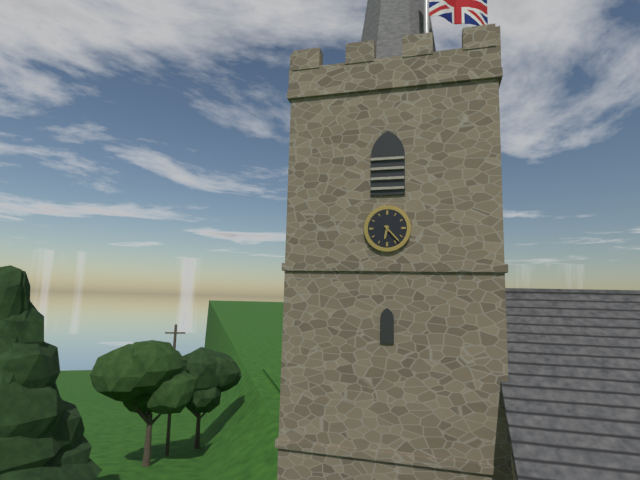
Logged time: 6 h 23 min
